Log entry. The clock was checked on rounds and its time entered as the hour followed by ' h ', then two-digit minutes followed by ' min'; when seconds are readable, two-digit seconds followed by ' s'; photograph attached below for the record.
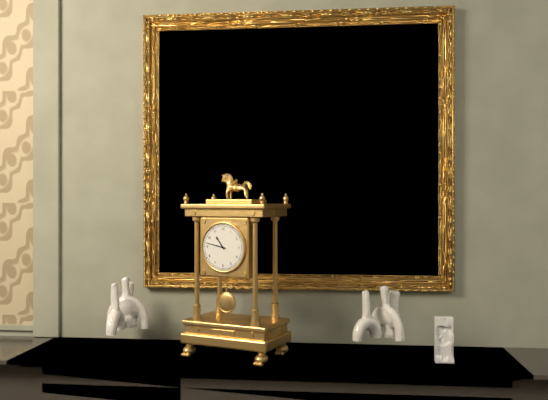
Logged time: 10 h 47 min
